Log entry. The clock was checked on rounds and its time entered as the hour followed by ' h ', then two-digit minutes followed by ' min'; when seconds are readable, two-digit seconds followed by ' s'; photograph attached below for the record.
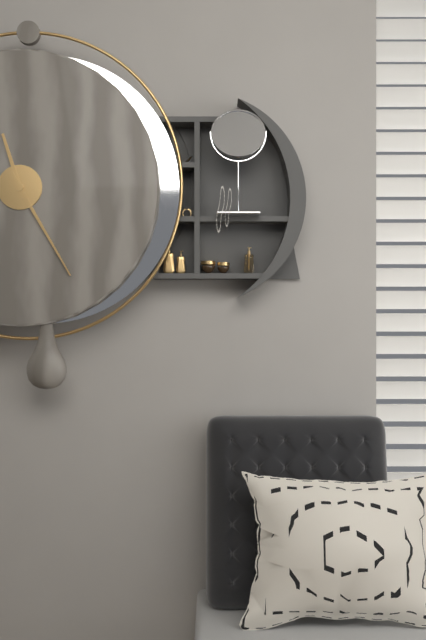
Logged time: 11 h 25 min
